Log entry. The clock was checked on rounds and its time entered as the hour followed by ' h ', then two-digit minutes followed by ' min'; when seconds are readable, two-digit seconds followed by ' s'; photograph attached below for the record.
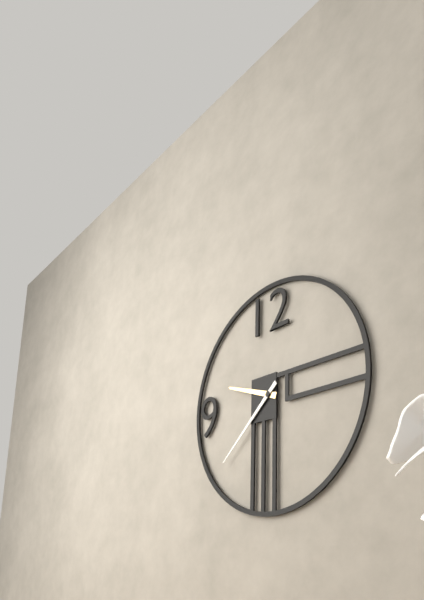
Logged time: 9 h 38 min
